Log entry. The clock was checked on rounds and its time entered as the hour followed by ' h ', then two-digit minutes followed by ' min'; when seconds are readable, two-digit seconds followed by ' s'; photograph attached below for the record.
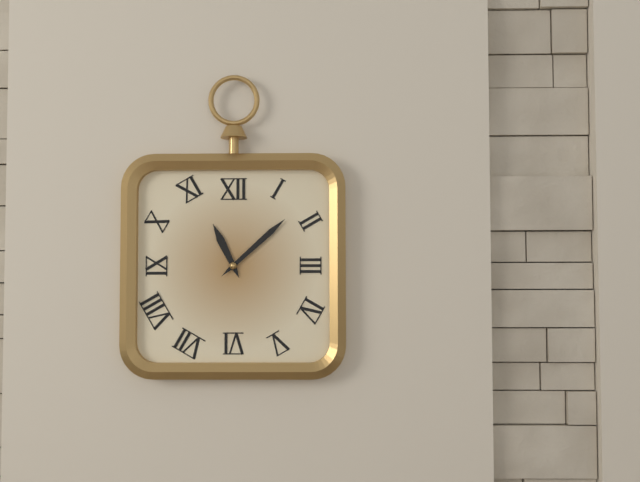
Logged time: 11 h 08 min
